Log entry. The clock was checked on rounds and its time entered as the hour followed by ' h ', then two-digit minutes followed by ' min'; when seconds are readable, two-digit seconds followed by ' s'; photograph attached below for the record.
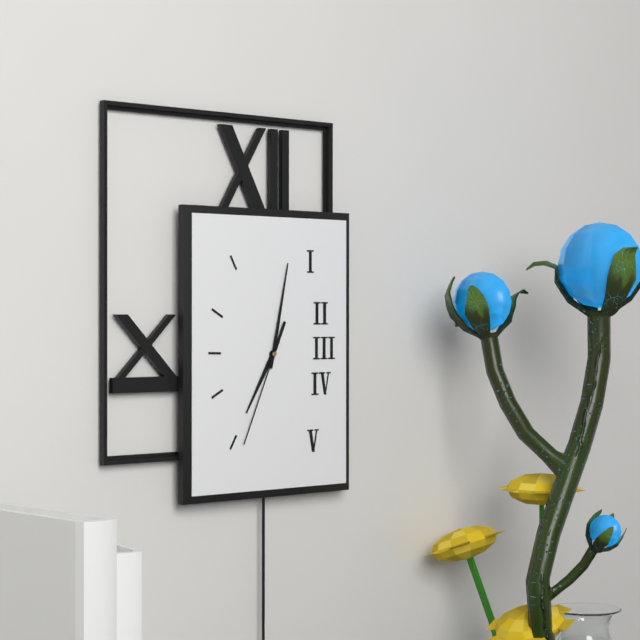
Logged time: 7 h 02 min 34 s
